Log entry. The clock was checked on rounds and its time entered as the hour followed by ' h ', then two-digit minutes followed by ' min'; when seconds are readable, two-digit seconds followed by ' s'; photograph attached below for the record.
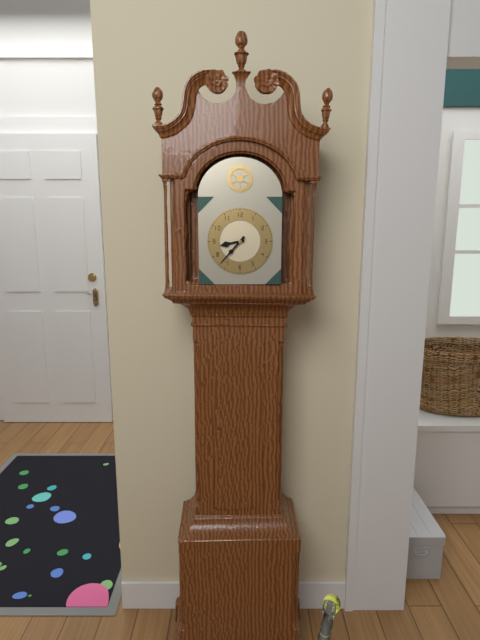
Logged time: 8 h 37 min
